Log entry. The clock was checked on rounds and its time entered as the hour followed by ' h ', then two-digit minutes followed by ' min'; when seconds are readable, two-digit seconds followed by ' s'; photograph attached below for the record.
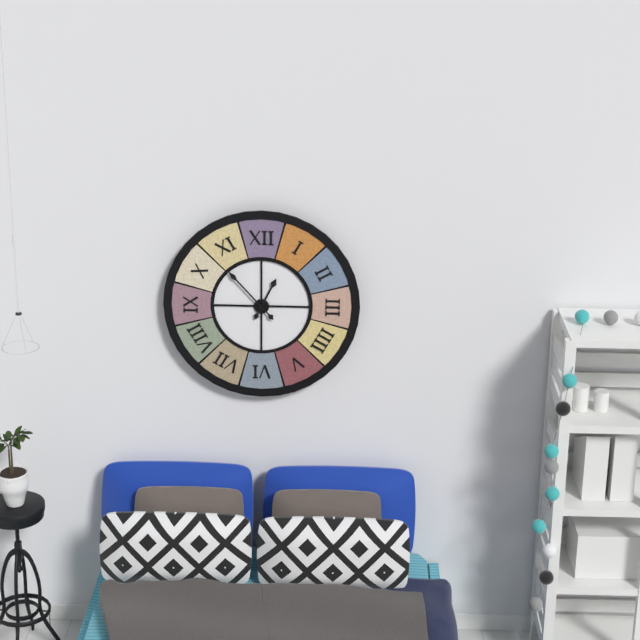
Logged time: 12 h 53 min
